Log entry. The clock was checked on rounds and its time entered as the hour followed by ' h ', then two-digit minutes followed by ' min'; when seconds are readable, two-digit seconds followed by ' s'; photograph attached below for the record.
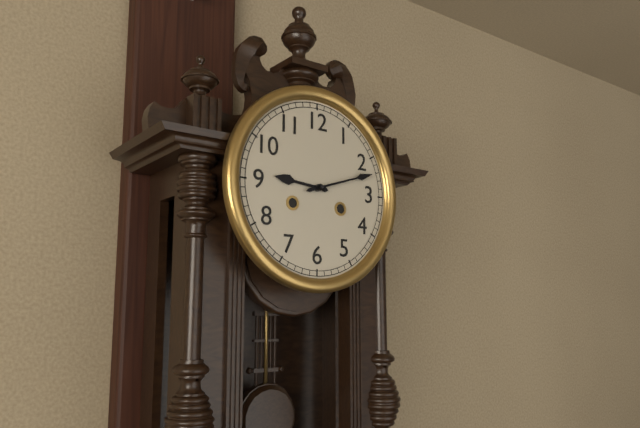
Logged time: 9 h 12 min
